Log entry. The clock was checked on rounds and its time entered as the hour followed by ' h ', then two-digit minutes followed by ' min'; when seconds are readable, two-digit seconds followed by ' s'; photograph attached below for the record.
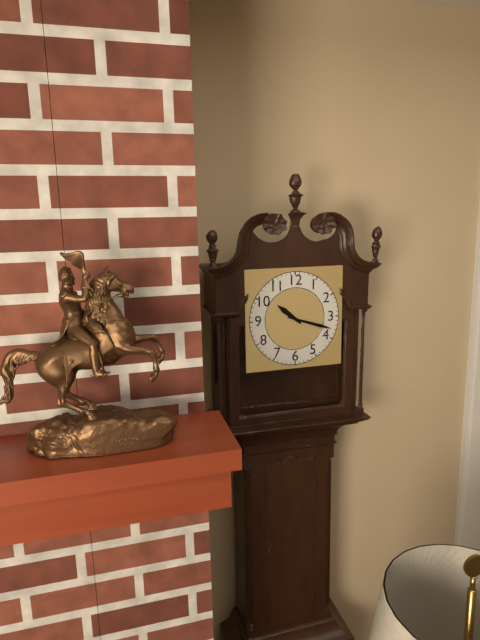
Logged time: 10 h 18 min
